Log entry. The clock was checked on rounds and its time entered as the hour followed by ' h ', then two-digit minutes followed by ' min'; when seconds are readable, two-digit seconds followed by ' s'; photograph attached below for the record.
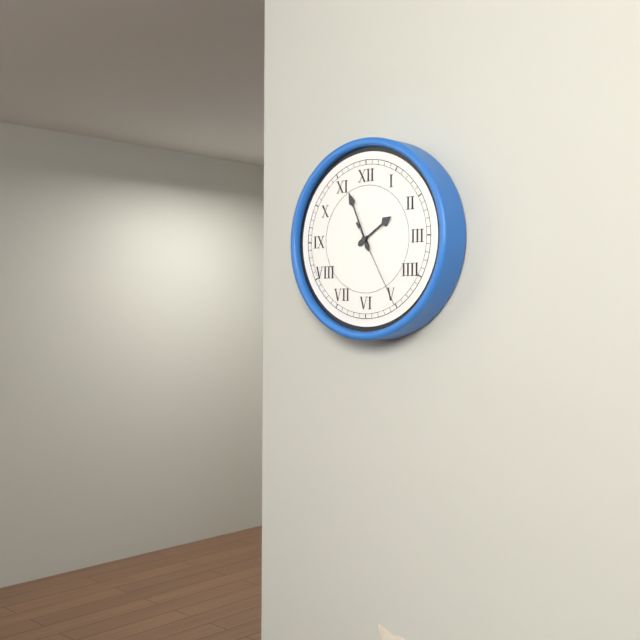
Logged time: 1 h 56 min 25 s
